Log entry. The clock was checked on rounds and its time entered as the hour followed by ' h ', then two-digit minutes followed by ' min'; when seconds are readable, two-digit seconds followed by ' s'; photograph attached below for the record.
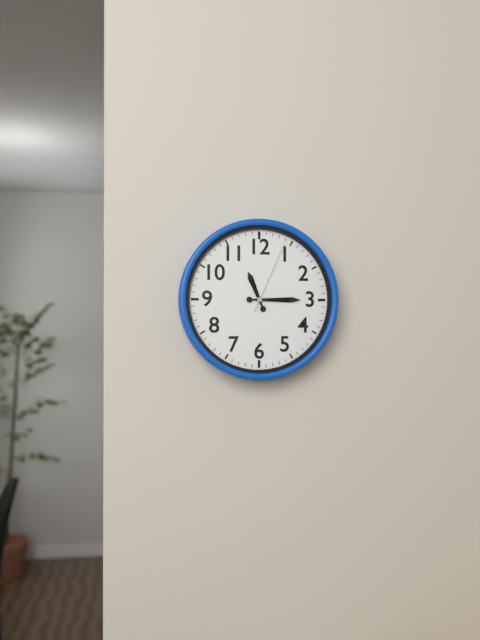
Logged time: 11 h 15 min 04 s
